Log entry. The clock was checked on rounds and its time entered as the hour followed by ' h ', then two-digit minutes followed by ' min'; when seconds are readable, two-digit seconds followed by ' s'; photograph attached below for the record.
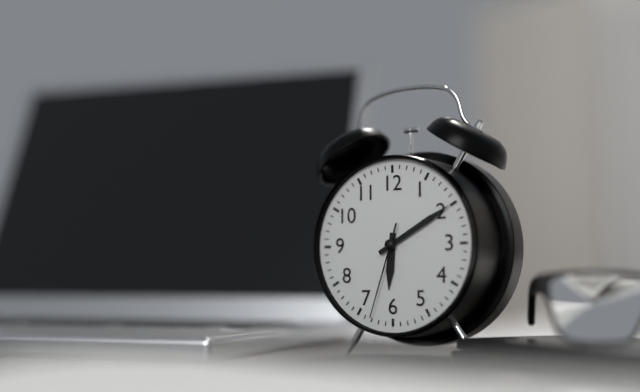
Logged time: 6 h 10 min 33 s
